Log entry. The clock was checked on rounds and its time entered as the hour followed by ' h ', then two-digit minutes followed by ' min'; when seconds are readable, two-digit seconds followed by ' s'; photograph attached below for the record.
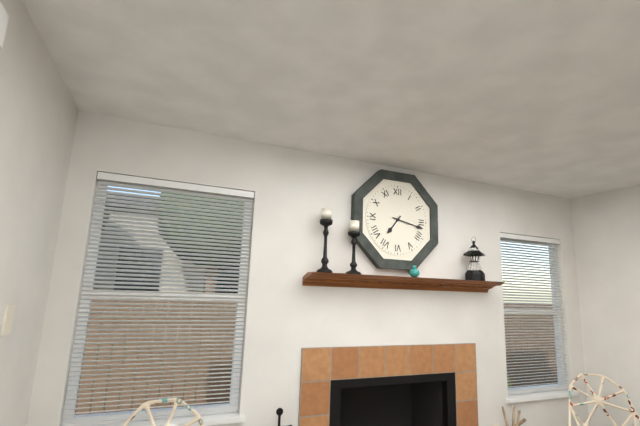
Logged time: 7 h 17 min
